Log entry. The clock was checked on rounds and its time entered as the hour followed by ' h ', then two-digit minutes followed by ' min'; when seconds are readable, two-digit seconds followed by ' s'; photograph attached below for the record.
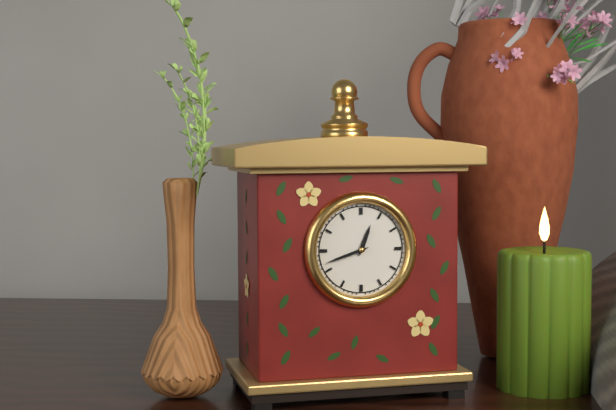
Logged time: 12 h 42 min
